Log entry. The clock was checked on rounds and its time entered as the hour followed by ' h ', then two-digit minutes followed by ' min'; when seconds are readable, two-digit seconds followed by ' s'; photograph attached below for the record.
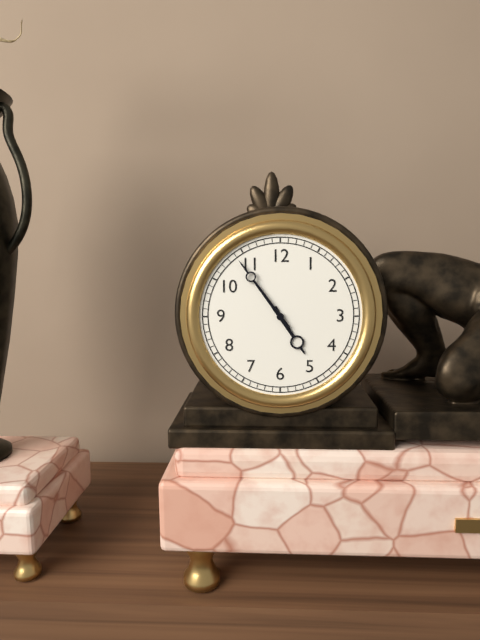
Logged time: 4 h 54 min
